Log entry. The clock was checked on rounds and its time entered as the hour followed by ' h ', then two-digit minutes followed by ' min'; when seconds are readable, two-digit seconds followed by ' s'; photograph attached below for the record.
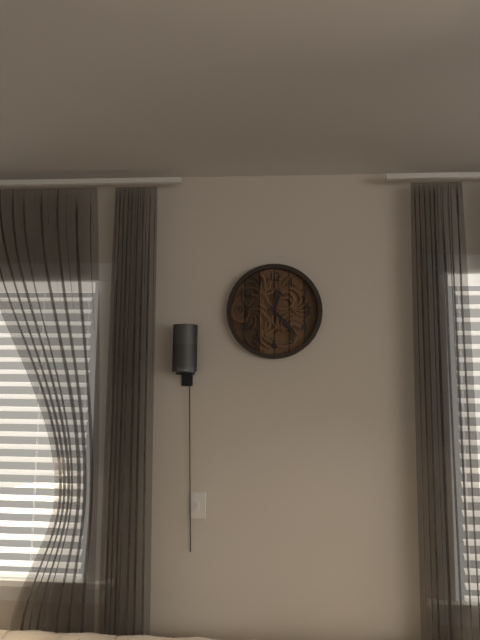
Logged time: 12 h 23 min
